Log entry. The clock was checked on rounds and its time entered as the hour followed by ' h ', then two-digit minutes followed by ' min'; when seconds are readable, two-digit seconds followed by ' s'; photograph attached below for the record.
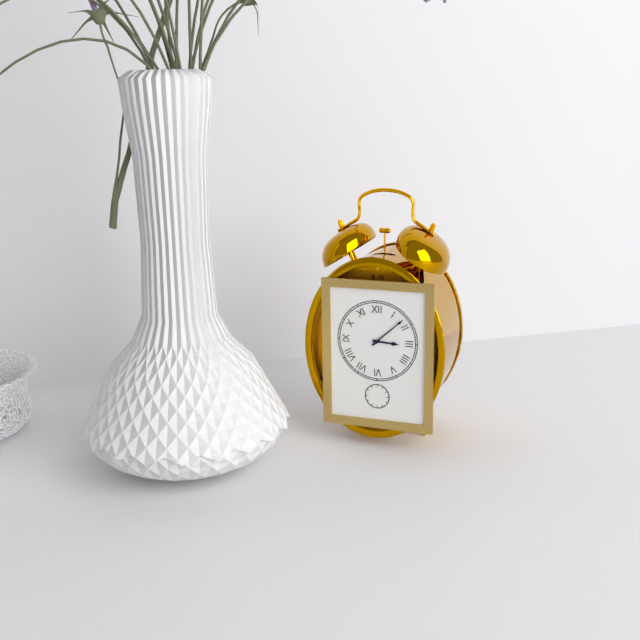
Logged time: 3 h 08 min
